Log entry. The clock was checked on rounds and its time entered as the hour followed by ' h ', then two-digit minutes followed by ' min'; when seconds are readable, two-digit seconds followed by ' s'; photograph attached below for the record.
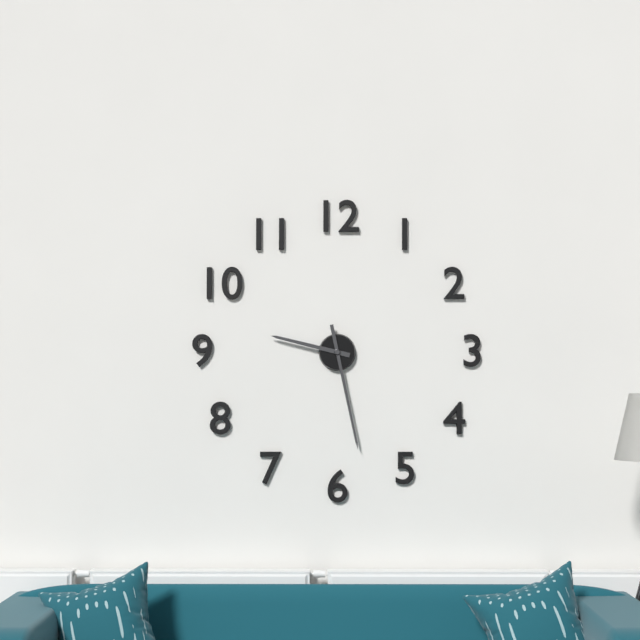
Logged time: 9 h 28 min
